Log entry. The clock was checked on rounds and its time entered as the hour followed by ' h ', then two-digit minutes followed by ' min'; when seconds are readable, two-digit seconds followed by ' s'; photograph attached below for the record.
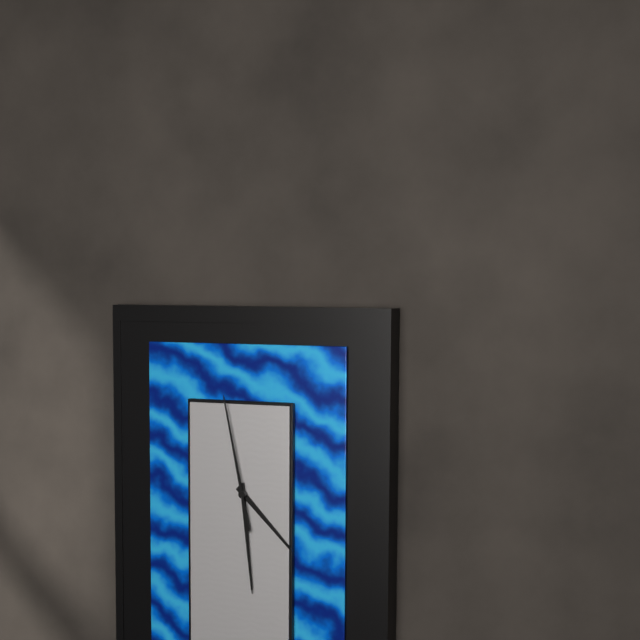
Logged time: 4 h 29 min 58 s
